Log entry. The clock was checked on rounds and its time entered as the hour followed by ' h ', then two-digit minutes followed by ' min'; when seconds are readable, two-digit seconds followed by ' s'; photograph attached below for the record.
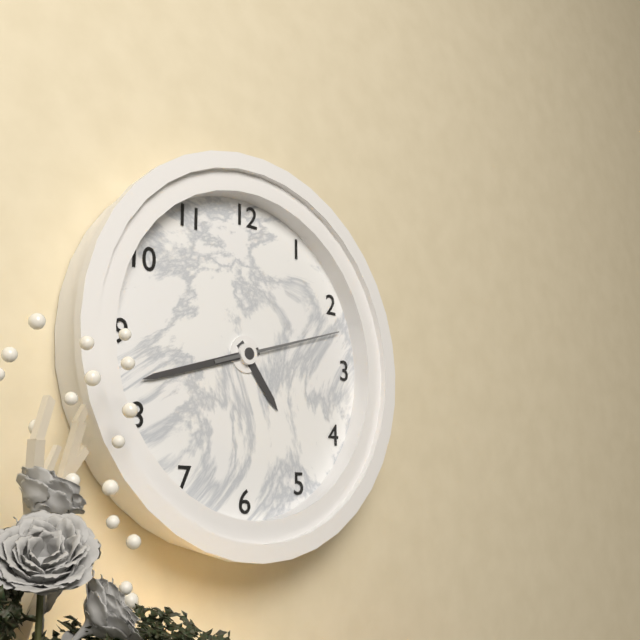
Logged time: 4 h 42 min 12 s
